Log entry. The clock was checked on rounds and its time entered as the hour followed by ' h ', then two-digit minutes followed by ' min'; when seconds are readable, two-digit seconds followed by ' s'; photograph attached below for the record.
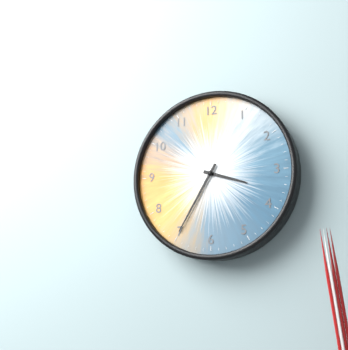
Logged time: 3 h 35 min
